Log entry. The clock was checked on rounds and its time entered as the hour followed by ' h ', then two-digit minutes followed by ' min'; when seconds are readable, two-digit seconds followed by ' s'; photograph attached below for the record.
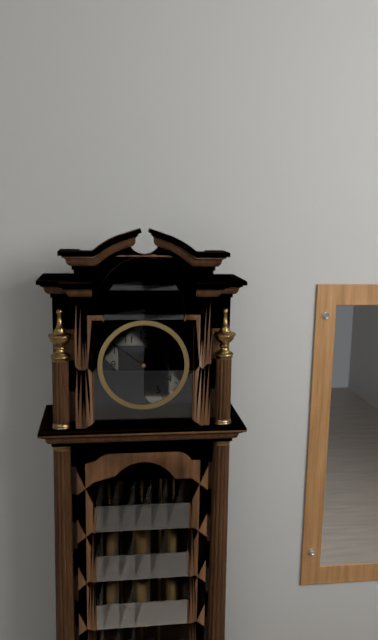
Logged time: 9 h 51 min
